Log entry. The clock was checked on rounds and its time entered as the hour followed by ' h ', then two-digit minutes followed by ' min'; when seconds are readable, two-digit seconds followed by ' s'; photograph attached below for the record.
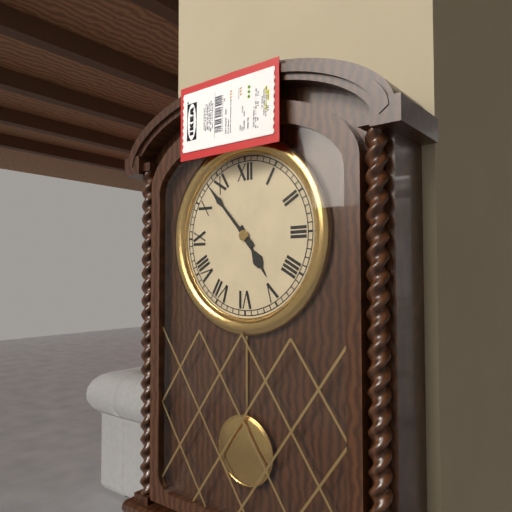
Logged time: 4 h 53 min
